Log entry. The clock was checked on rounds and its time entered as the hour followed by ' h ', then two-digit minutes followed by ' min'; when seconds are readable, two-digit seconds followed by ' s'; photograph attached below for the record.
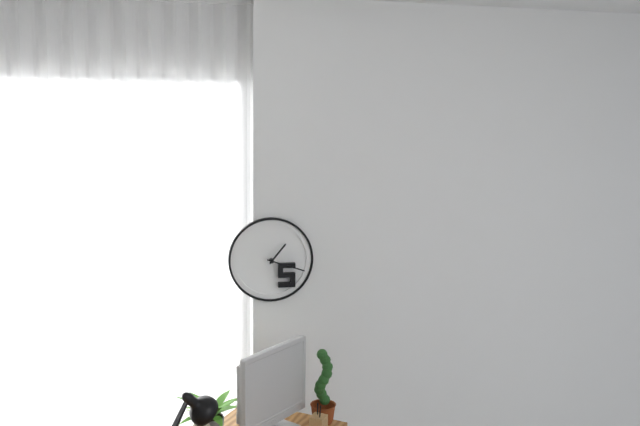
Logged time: 1 h 18 min
